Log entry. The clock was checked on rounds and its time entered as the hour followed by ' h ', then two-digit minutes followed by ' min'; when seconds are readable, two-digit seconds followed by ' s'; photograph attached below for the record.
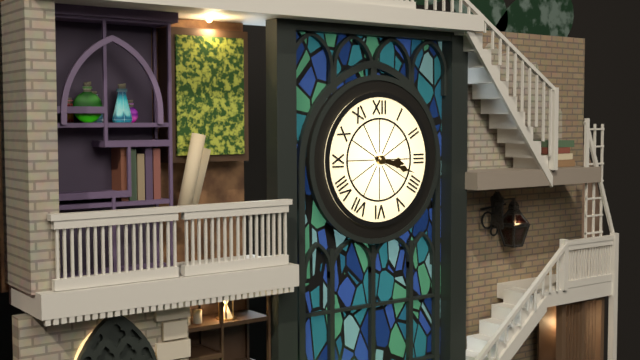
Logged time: 3 h 18 min
